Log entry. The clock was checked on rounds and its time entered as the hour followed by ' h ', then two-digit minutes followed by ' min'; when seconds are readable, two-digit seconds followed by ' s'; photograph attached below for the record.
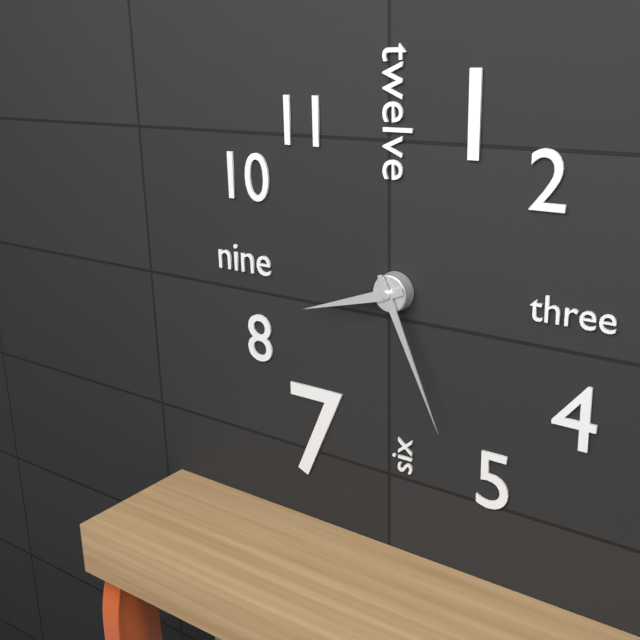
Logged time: 8 h 26 min
